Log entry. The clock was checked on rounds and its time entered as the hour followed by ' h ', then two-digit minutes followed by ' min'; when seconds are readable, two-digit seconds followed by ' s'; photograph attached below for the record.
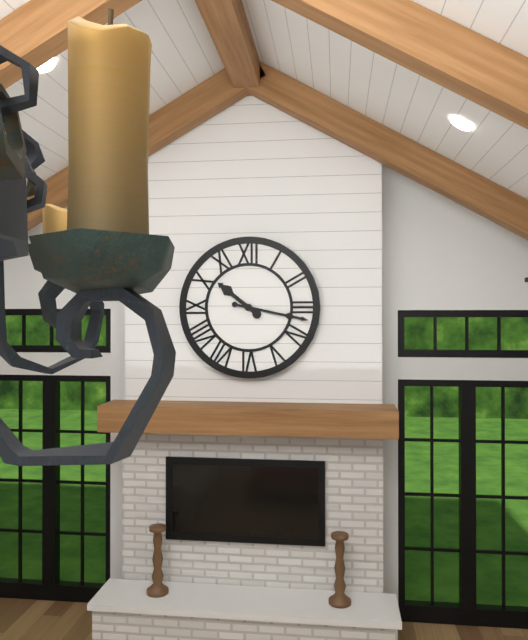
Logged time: 10 h 17 min
